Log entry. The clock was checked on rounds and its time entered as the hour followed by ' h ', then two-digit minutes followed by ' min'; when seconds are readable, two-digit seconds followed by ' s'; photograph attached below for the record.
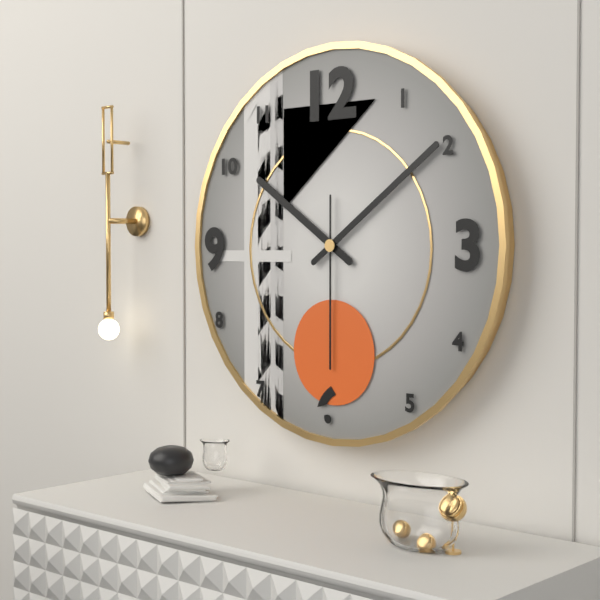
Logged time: 10 h 09 min 30 s
